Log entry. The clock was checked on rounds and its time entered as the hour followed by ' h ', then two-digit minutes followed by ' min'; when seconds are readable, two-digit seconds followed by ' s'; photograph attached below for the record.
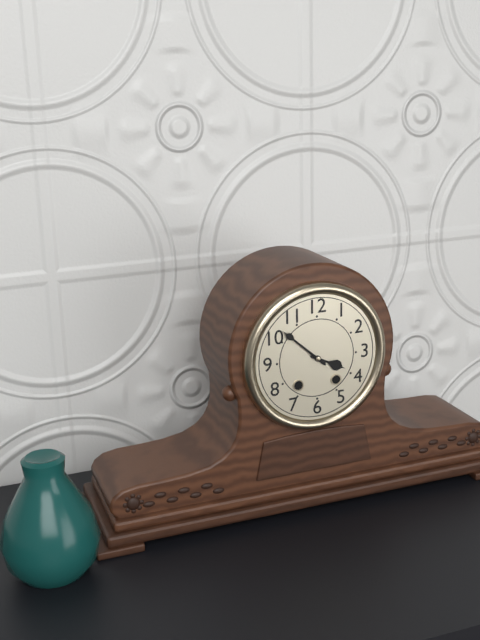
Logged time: 3 h 52 min
